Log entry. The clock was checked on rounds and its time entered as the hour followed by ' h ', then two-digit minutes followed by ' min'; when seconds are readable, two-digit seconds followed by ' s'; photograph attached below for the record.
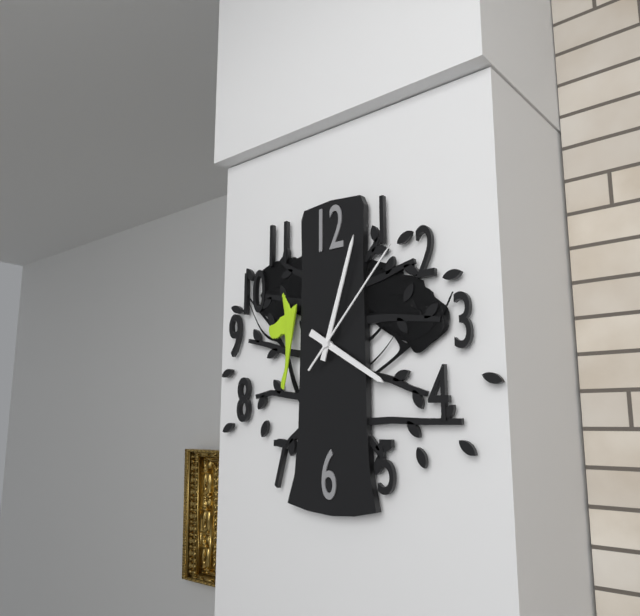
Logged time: 4 h 03 min 07 s
